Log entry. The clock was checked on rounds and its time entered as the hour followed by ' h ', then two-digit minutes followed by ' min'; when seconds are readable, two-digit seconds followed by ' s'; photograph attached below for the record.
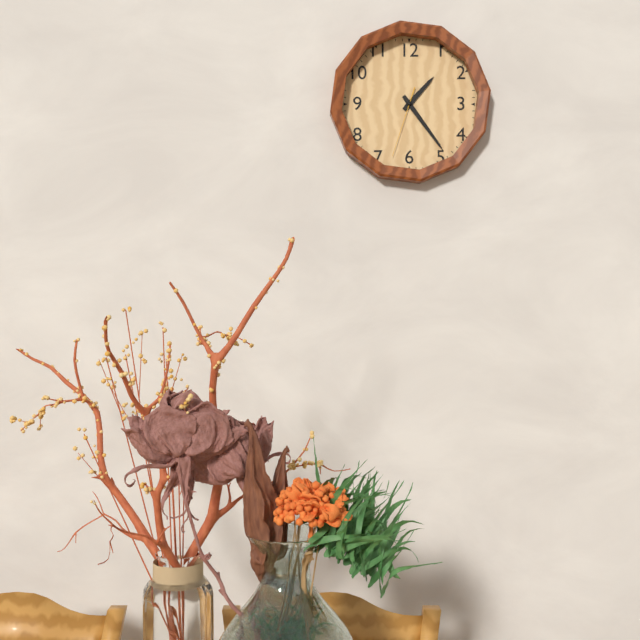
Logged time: 1 h 24 min 33 s
